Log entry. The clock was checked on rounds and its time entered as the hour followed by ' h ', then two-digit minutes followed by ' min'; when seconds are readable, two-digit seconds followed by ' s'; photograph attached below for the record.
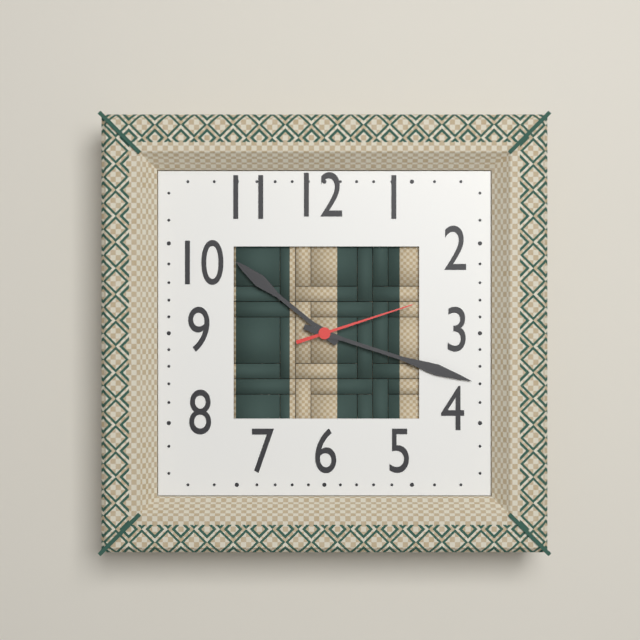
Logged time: 10 h 18 min 12 s
